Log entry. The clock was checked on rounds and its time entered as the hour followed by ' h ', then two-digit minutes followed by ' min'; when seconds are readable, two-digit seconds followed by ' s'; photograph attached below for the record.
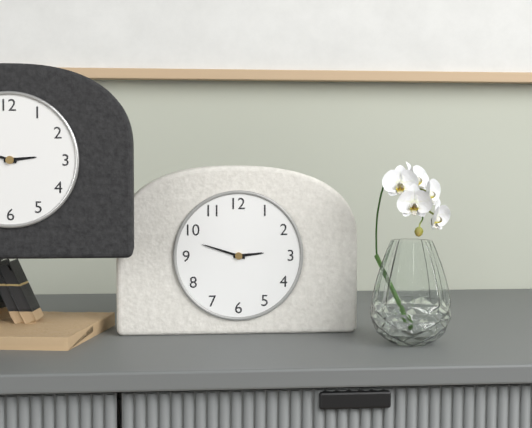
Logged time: 2 h 48 min
